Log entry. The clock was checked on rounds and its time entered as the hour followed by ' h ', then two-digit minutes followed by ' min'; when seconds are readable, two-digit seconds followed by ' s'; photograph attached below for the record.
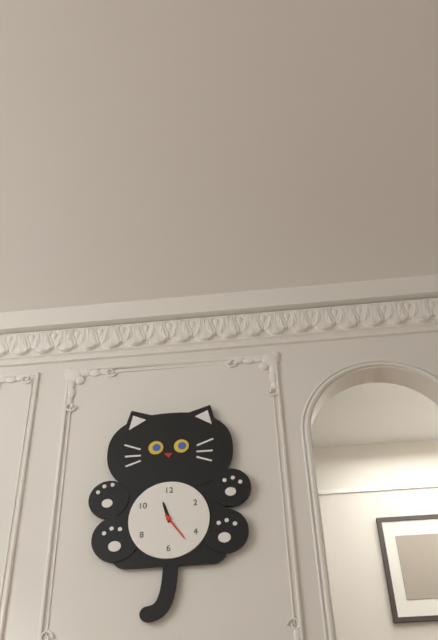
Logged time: 11 h 24 min
